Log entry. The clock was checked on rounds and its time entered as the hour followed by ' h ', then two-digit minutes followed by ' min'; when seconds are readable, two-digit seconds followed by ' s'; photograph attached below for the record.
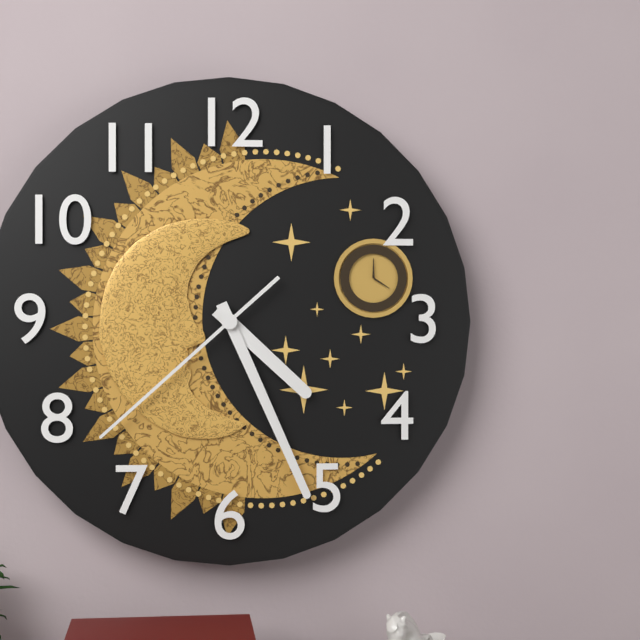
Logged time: 4 h 26 min 38 s
